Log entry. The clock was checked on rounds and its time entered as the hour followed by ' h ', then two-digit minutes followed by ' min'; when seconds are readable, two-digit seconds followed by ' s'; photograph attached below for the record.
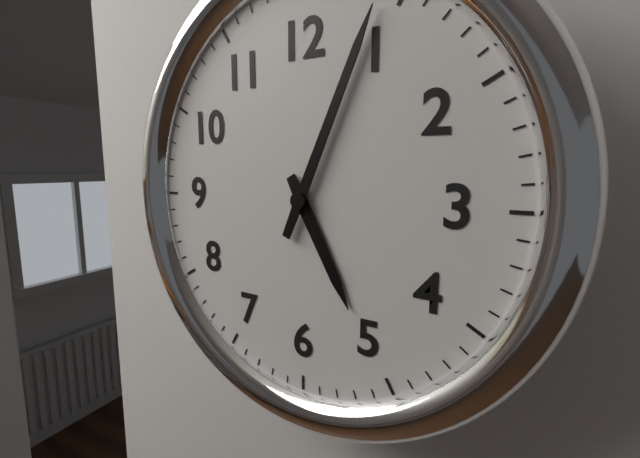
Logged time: 5 h 04 min
